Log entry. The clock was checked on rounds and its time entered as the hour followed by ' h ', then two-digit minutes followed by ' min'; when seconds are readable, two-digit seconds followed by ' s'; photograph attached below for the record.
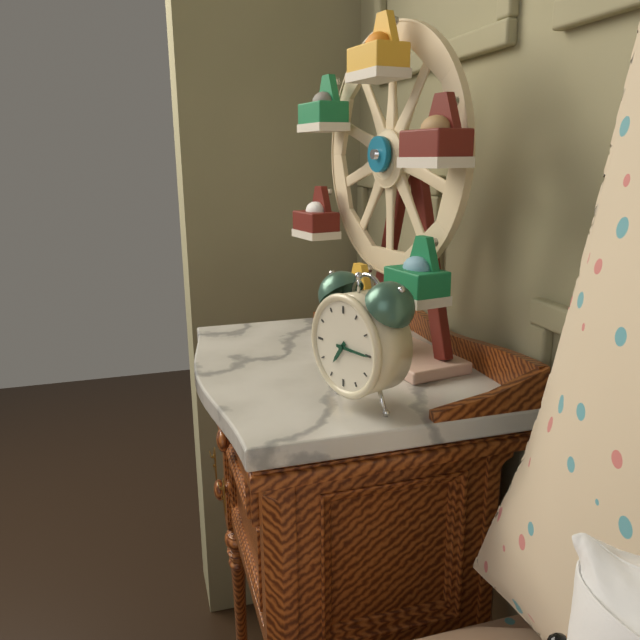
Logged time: 7 h 15 min
